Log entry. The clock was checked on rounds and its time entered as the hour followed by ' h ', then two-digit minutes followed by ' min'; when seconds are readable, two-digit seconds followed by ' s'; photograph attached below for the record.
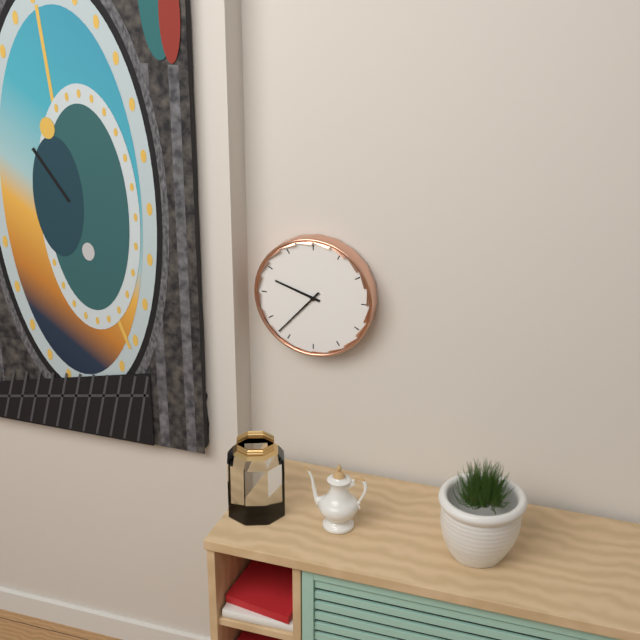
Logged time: 9 h 37 min
